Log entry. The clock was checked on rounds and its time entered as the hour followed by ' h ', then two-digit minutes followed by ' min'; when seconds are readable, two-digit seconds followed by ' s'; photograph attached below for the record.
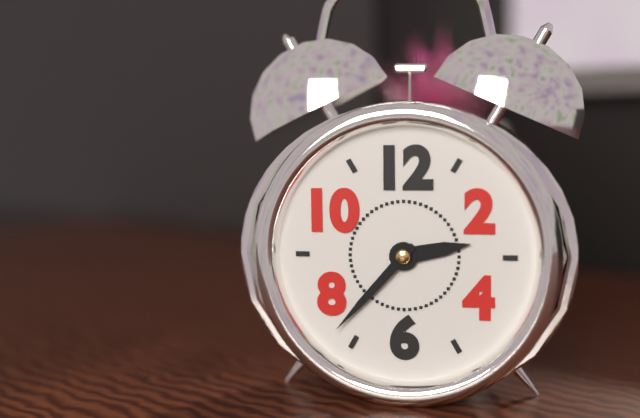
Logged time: 2 h 37 min
